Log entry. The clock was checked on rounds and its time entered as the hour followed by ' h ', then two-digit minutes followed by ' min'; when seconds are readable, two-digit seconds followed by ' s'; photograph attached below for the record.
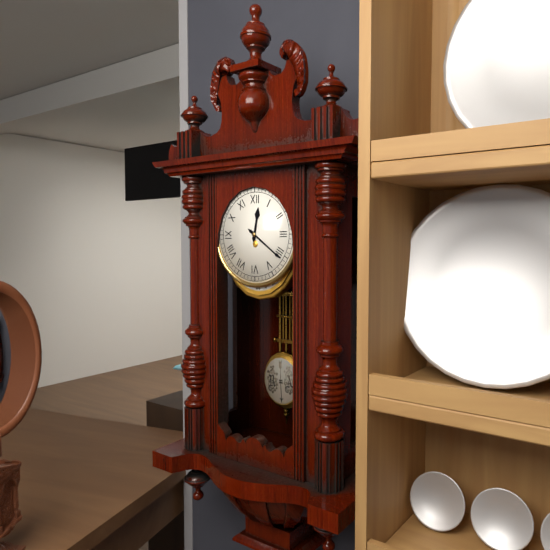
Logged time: 12 h 21 min
